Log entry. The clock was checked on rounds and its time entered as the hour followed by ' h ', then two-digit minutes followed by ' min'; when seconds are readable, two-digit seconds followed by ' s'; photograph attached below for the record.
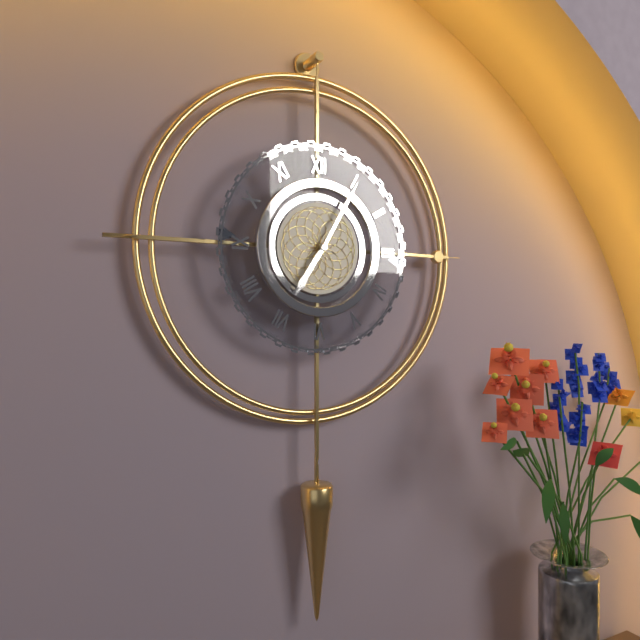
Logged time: 7 h 05 min
